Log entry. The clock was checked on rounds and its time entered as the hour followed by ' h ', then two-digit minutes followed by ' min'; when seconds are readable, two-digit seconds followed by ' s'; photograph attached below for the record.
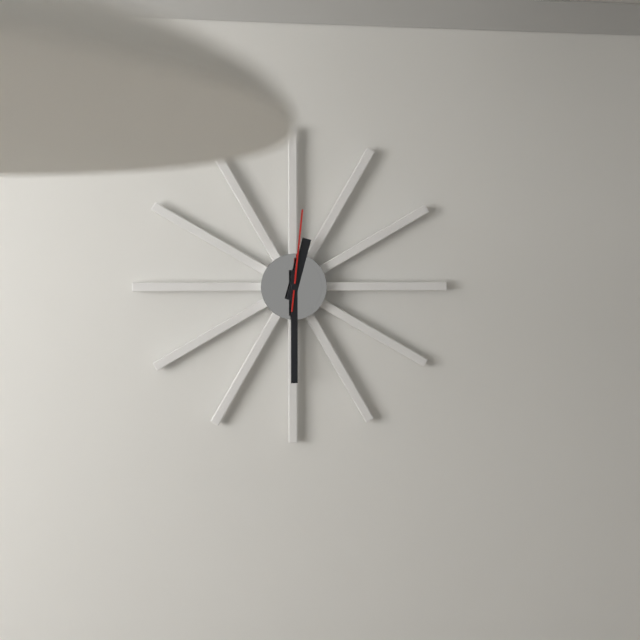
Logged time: 12 h 30 min 01 s
